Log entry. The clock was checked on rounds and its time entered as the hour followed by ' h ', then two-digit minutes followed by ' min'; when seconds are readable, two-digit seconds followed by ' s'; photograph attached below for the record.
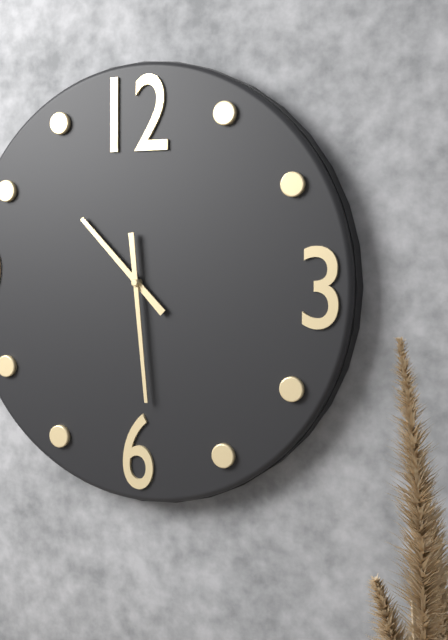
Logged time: 10 h 29 min
